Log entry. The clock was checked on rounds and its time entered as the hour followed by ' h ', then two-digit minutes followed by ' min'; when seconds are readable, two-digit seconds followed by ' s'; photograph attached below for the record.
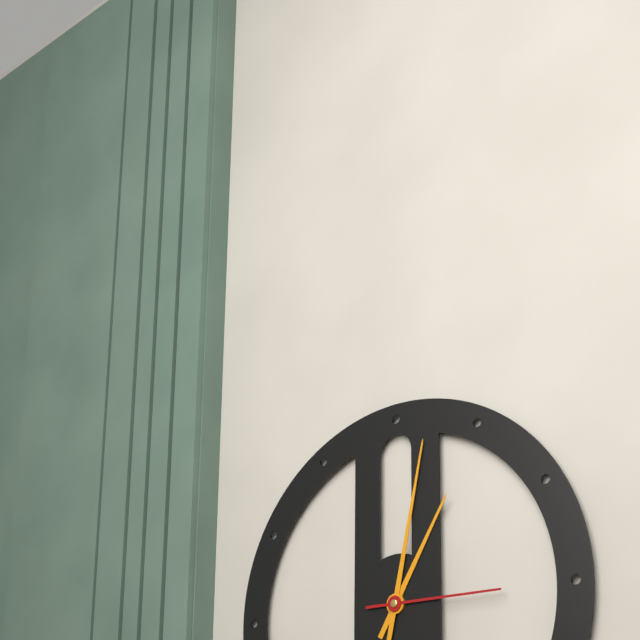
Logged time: 1 h 02 min 15 s
